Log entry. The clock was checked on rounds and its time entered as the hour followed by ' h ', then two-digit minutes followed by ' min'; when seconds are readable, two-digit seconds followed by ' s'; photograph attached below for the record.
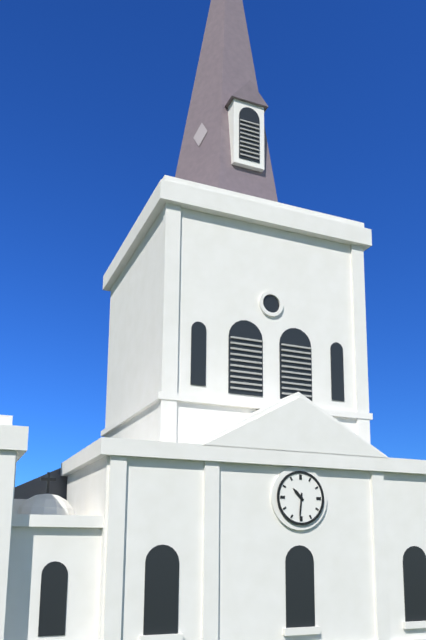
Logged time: 10 h 31 min
